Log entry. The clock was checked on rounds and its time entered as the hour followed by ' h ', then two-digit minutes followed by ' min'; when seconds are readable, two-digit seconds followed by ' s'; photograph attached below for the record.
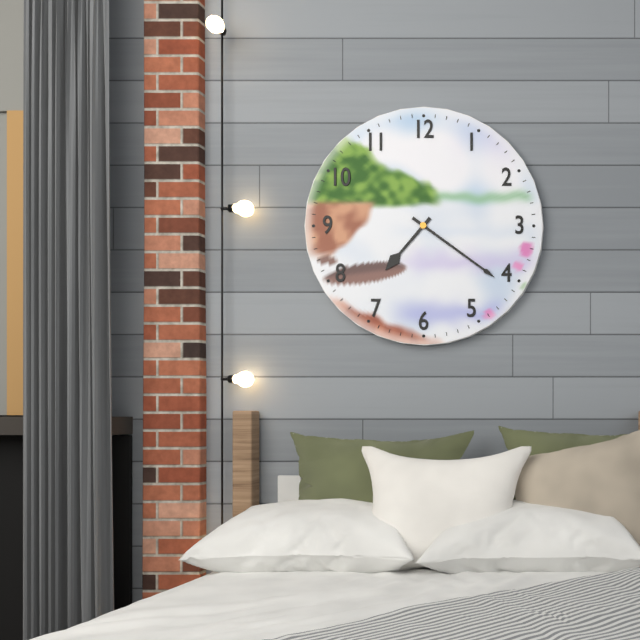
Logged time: 7 h 21 min
